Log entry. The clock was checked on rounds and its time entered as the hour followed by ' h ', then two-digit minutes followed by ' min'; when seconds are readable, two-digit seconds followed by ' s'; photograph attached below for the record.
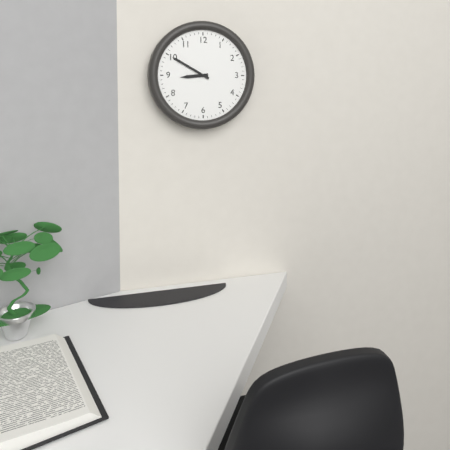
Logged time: 8 h 50 min
